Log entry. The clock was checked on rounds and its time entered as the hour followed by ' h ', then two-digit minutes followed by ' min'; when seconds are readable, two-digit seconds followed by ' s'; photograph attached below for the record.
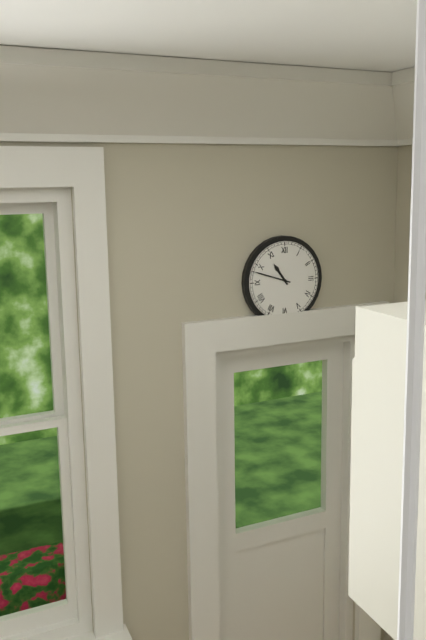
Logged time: 10 h 48 min
